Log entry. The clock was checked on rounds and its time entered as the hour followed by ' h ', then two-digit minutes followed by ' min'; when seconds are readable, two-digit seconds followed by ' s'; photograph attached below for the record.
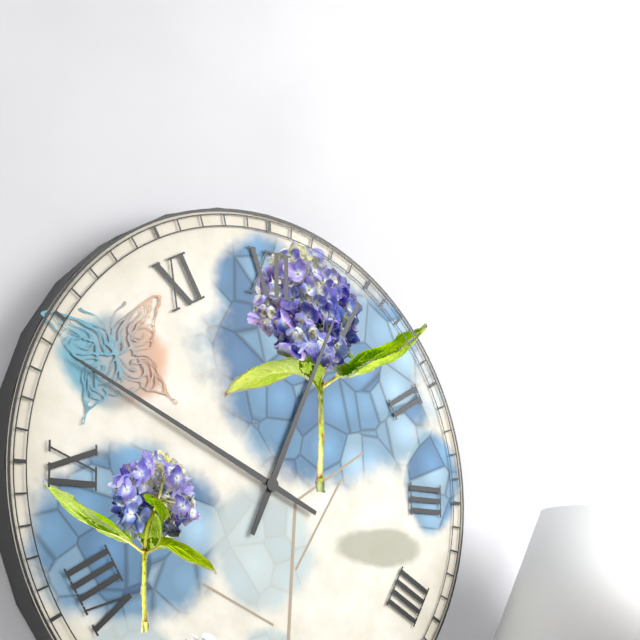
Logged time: 12 h 49 min
